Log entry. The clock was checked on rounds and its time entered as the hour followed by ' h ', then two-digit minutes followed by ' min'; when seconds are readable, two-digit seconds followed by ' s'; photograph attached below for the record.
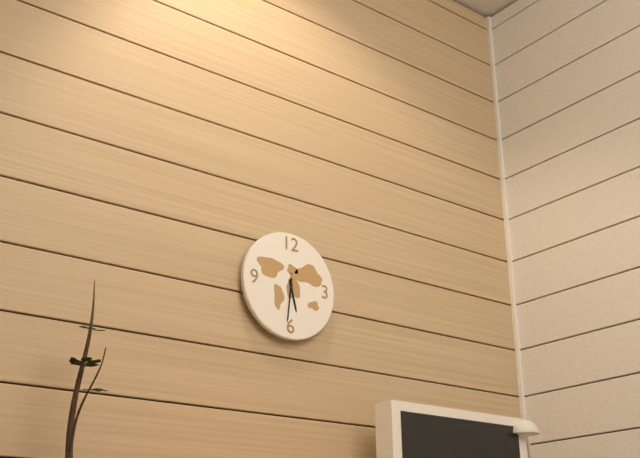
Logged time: 5 h 31 min
